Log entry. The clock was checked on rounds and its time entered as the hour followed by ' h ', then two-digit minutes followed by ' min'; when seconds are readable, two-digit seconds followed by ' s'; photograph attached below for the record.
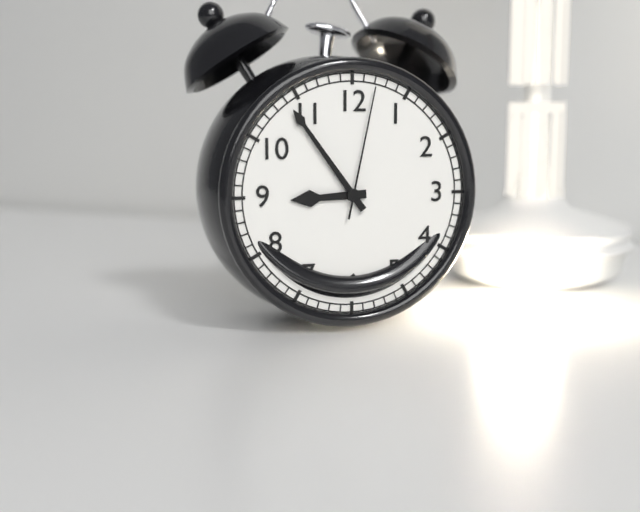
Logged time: 8 h 54 min 02 s
